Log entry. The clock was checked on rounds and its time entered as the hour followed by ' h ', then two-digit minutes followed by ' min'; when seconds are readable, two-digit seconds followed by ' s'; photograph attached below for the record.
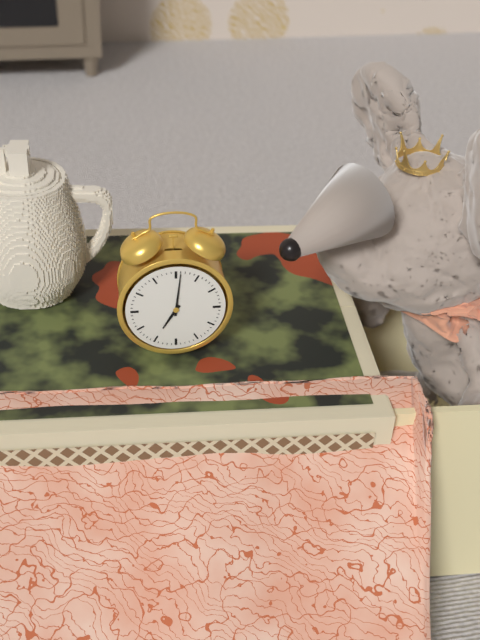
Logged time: 7 h 01 min
